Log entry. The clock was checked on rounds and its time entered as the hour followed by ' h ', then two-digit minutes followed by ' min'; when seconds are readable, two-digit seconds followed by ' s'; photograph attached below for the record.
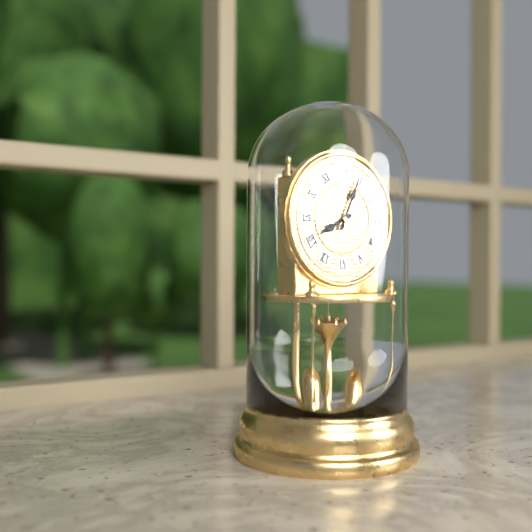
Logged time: 8 h 04 min
